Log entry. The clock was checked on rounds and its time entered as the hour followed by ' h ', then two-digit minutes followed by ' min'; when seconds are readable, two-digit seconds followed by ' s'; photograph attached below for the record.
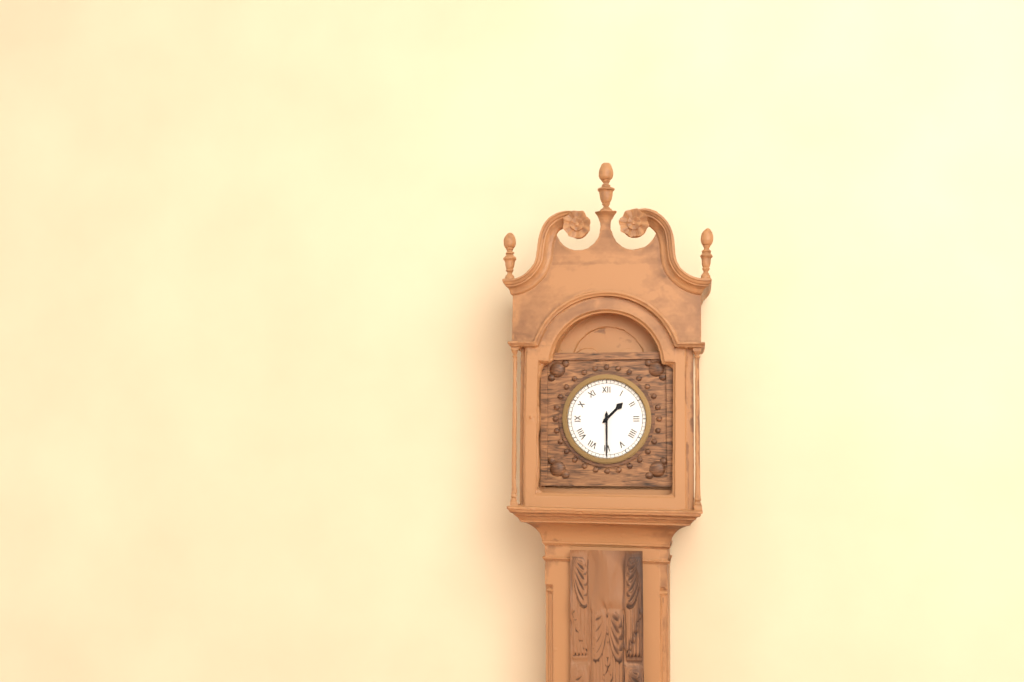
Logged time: 1 h 30 min
